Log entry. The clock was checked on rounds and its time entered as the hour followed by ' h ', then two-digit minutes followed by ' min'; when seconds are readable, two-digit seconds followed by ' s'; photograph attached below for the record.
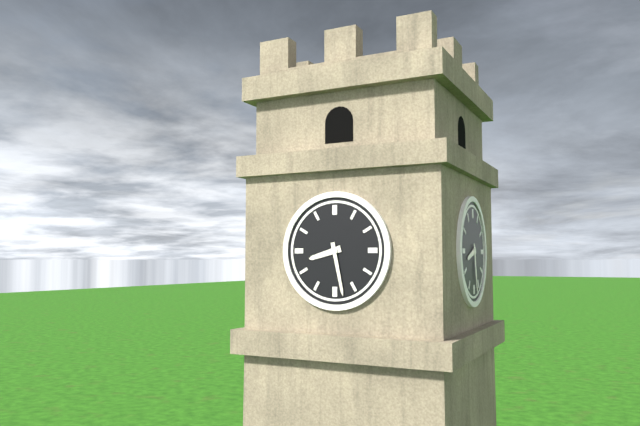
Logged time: 8 h 28 min
